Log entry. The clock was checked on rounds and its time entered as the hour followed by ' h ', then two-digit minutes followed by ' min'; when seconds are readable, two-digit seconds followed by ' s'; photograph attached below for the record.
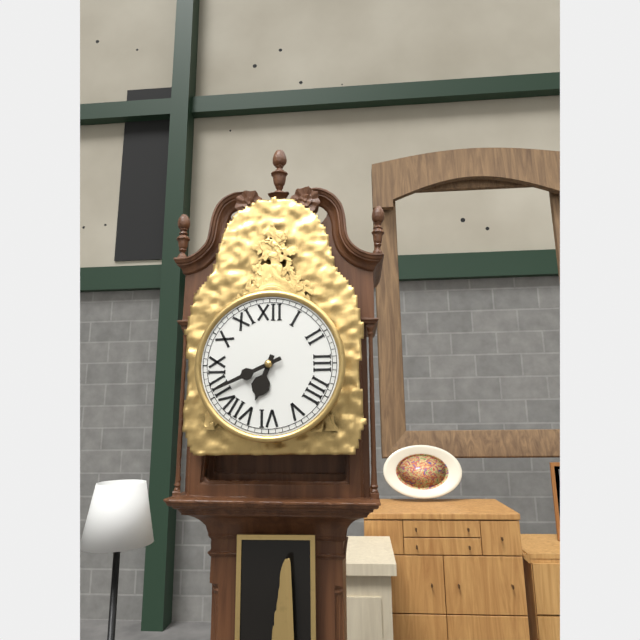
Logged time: 6 h 41 min
